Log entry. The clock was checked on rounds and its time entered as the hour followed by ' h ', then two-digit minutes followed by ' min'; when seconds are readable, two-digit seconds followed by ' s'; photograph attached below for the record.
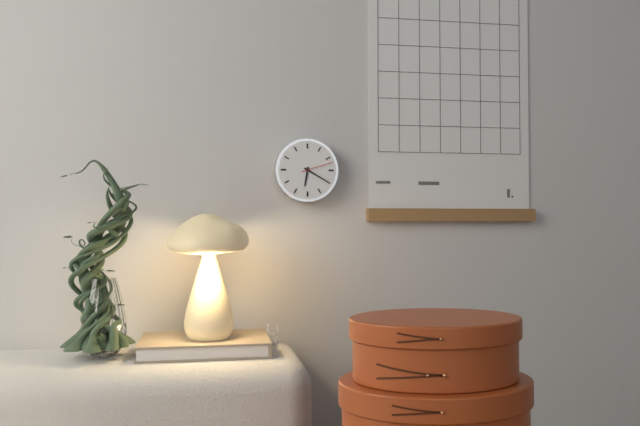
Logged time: 6 h 20 min
